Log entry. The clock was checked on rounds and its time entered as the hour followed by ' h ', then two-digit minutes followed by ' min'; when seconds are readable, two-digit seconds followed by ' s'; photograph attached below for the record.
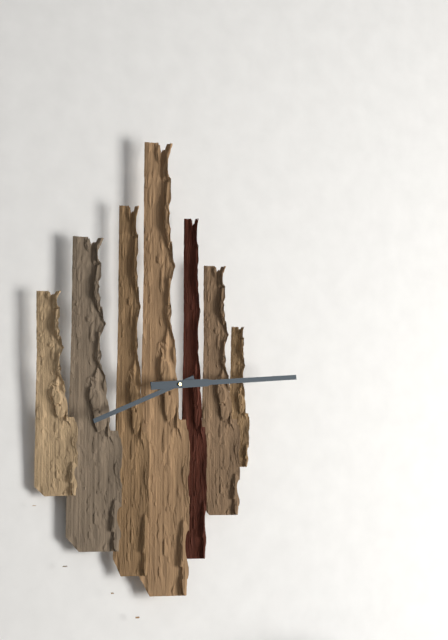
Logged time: 8 h 14 min
